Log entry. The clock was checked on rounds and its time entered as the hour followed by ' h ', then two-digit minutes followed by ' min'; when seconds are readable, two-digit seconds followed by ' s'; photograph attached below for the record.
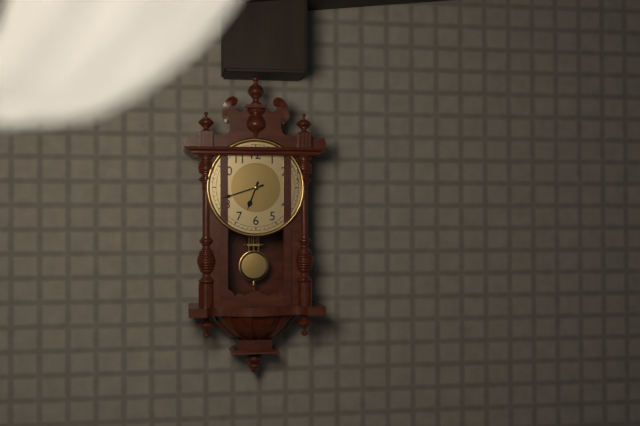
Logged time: 6 h 42 min
